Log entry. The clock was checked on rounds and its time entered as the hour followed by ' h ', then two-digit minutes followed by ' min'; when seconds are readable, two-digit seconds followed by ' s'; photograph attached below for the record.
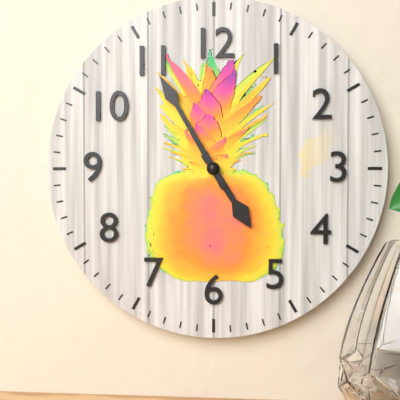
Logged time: 4 h 55 min
